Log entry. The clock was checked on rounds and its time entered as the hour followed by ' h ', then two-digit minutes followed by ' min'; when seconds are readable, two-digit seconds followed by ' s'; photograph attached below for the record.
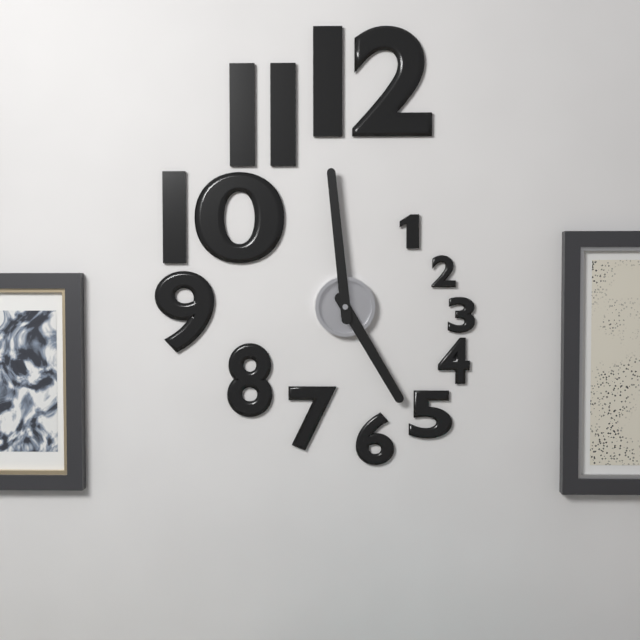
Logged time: 4 h 59 min
